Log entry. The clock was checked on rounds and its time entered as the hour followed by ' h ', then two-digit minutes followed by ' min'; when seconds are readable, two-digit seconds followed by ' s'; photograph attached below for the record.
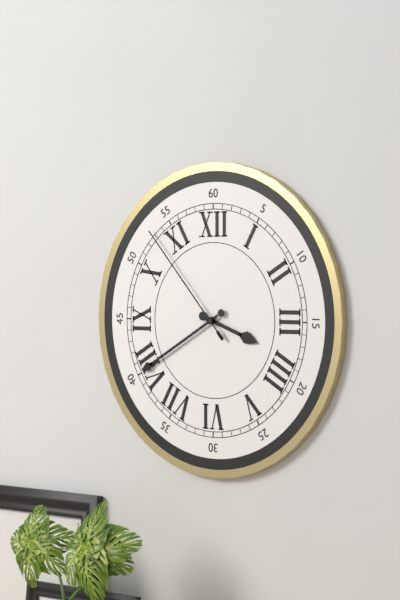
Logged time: 3 h 40 min 53 s
